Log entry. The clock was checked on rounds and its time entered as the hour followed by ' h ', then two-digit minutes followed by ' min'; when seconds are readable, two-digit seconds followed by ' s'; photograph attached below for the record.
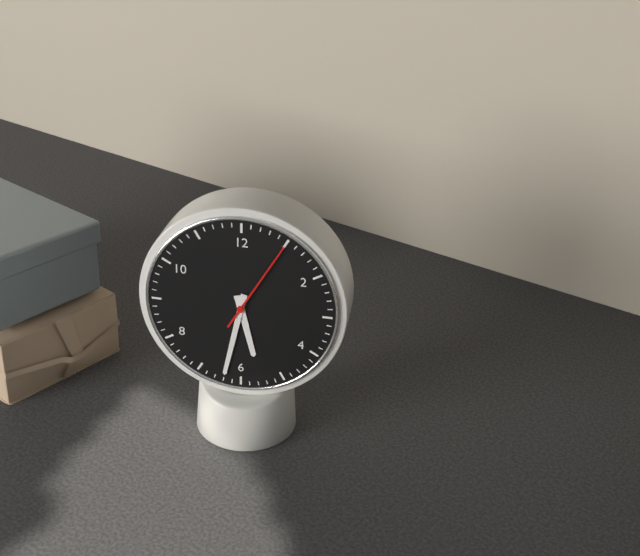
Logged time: 5 h 32 min 05 s
